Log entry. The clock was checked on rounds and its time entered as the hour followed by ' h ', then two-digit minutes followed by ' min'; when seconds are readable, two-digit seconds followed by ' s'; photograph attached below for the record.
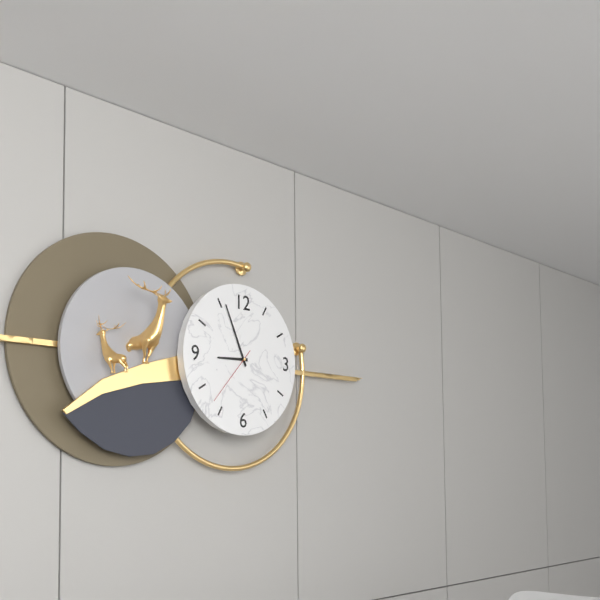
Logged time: 8 h 56 min 37 s
